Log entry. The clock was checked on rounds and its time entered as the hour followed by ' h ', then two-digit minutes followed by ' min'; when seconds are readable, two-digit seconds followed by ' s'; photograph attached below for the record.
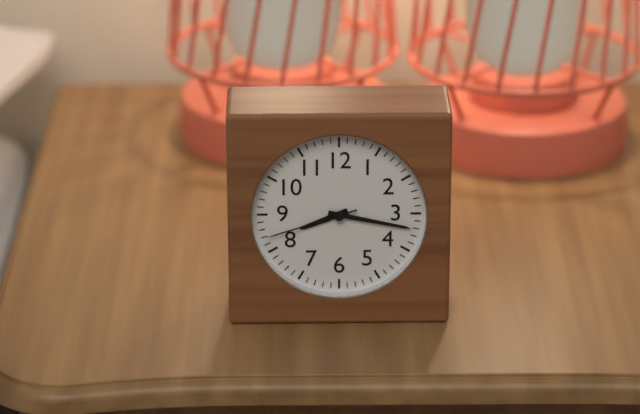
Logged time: 8 h 17 min 42 s
